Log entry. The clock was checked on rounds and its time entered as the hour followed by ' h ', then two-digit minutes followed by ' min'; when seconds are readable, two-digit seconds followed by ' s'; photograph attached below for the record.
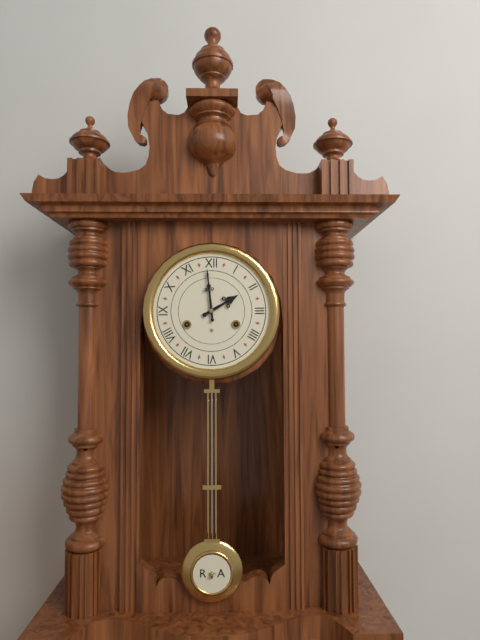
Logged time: 1 h 59 min
